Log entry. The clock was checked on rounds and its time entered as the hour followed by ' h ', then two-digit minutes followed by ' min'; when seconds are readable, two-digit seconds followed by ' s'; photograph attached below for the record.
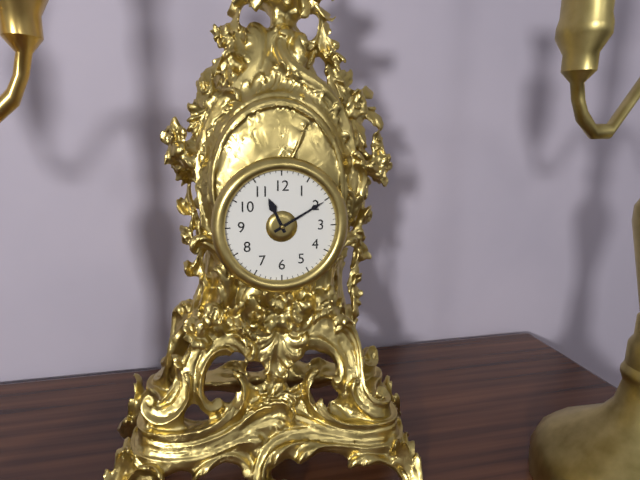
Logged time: 11 h 10 min
